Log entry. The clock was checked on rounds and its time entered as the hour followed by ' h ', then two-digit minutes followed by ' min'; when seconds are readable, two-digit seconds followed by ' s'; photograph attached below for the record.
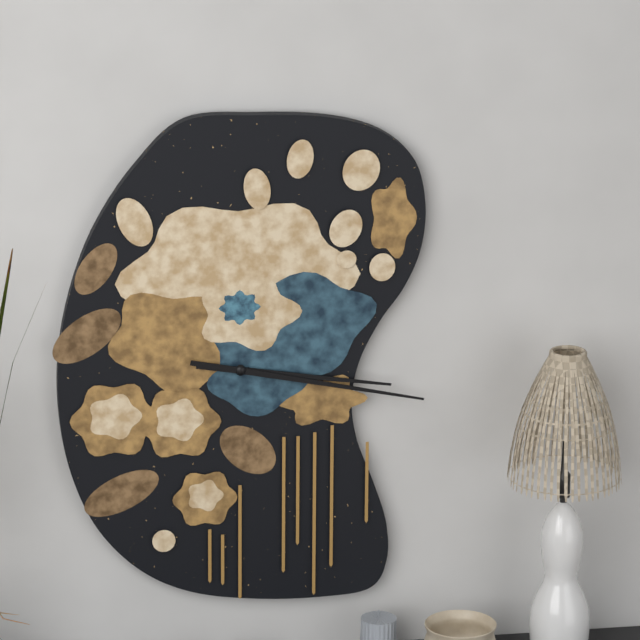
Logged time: 3 h 17 min
